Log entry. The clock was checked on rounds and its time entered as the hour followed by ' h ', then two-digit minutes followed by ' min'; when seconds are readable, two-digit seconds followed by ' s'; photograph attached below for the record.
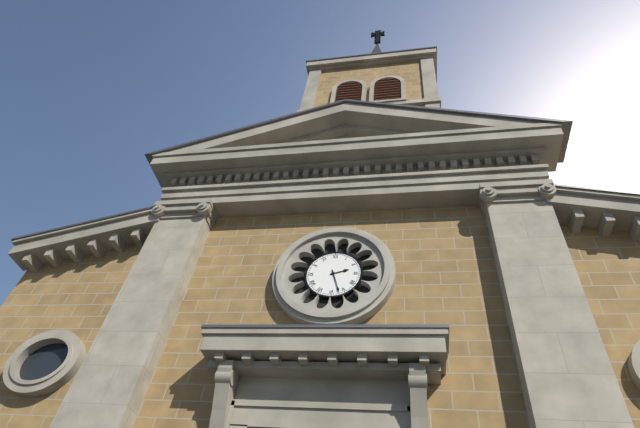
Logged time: 2 h 27 min
